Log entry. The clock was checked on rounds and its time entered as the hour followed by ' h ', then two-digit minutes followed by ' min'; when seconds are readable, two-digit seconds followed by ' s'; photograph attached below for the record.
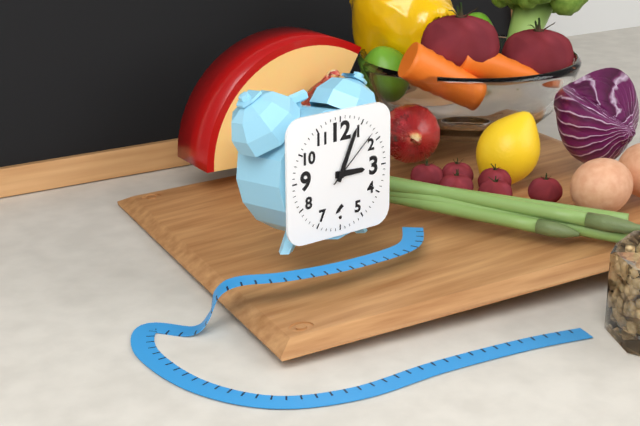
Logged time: 3 h 04 min 08 s
